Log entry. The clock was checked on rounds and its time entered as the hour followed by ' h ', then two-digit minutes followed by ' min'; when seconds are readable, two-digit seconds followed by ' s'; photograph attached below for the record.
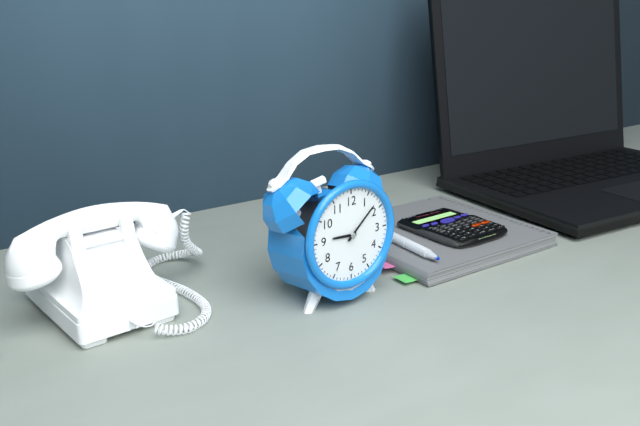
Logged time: 9 h 08 min
